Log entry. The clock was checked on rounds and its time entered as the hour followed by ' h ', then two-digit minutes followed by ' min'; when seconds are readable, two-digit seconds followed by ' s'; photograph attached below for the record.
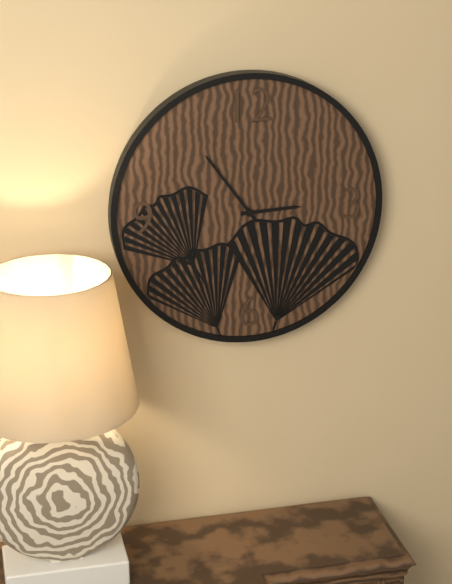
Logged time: 2 h 54 min
